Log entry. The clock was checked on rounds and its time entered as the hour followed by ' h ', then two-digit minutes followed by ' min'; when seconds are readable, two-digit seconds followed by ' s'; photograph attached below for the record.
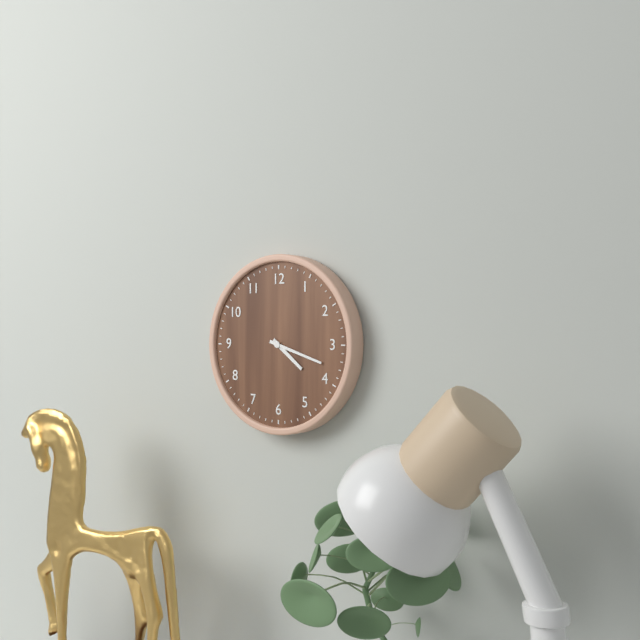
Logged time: 4 h 18 min
